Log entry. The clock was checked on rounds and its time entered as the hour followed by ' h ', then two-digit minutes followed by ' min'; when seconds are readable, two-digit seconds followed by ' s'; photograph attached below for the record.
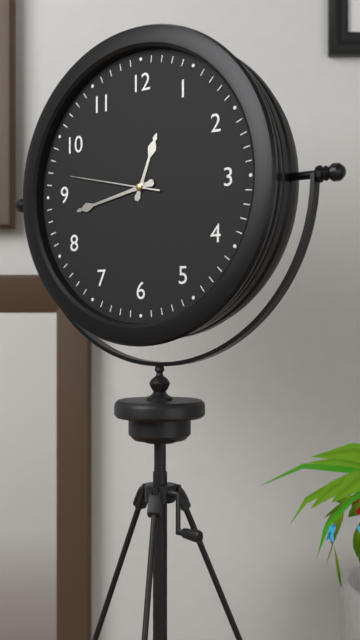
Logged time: 12 h 43 min 47 s
